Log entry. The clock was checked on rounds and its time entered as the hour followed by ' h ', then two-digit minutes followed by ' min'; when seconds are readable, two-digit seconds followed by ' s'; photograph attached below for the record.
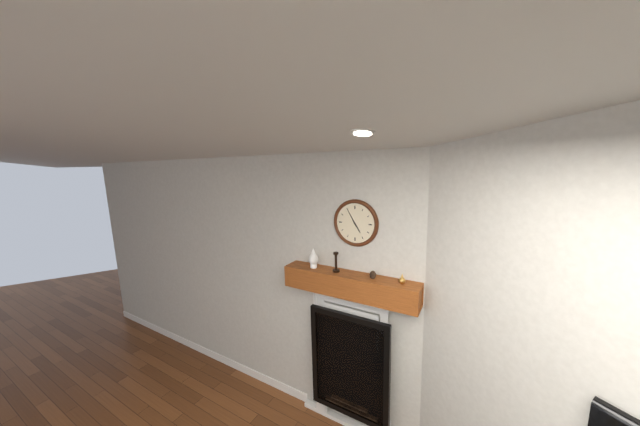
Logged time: 4 h 55 min
